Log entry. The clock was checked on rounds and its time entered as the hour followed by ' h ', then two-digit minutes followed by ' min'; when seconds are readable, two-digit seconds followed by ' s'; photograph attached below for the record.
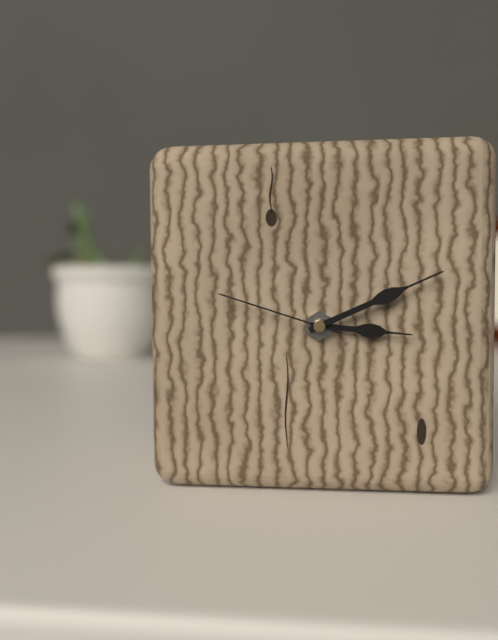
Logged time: 3 h 11 min 48 s
